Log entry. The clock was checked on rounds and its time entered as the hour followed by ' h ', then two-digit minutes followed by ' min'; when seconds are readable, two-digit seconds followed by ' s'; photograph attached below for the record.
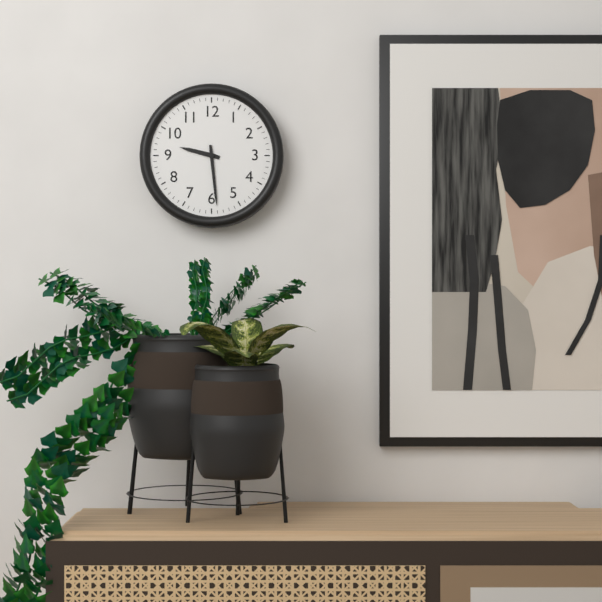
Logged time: 9 h 29 min
